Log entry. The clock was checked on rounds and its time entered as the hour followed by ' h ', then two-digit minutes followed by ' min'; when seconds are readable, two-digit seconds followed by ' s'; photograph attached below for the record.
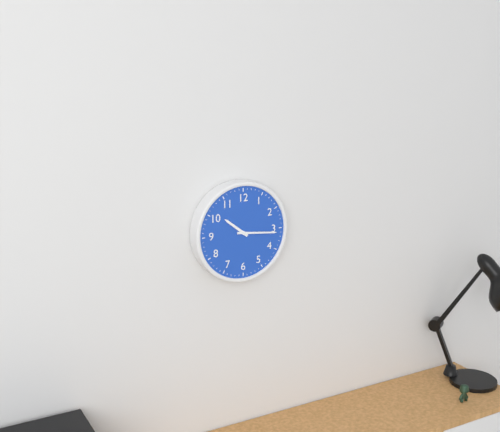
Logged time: 10 h 16 min
